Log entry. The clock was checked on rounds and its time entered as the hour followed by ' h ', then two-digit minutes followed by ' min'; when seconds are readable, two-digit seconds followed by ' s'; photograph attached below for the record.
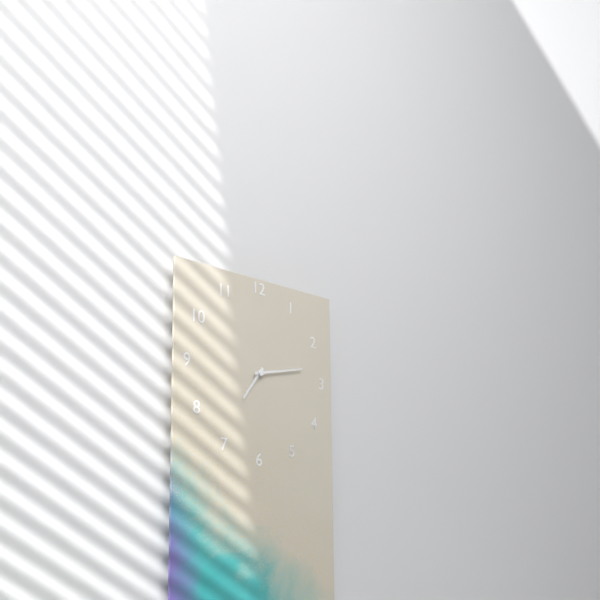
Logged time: 7 h 13 min
